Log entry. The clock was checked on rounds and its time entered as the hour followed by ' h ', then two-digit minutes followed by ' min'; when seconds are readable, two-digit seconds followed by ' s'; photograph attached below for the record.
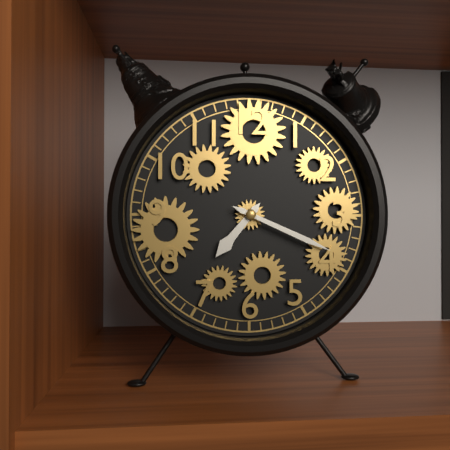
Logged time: 7 h 19 min
